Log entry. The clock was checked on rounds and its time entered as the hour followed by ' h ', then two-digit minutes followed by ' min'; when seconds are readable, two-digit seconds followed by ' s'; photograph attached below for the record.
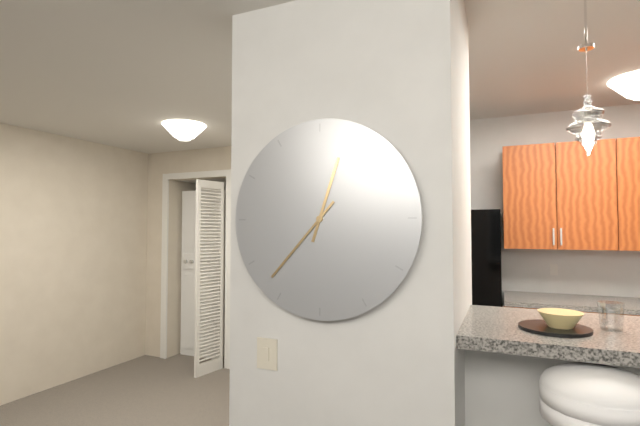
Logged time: 12 h 37 min
